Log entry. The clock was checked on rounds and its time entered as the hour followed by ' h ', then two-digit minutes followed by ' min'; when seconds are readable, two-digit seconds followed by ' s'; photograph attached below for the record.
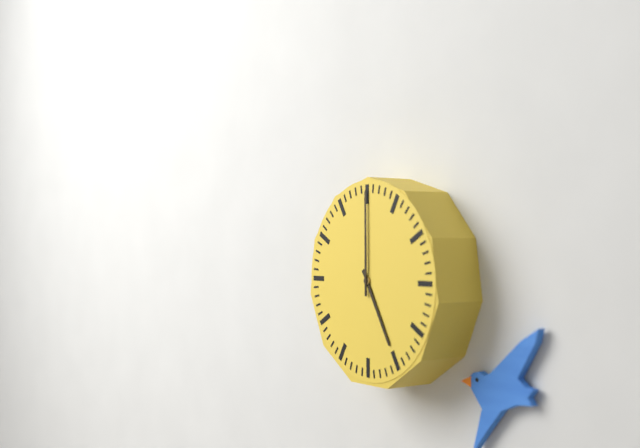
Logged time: 5 h 00 min
